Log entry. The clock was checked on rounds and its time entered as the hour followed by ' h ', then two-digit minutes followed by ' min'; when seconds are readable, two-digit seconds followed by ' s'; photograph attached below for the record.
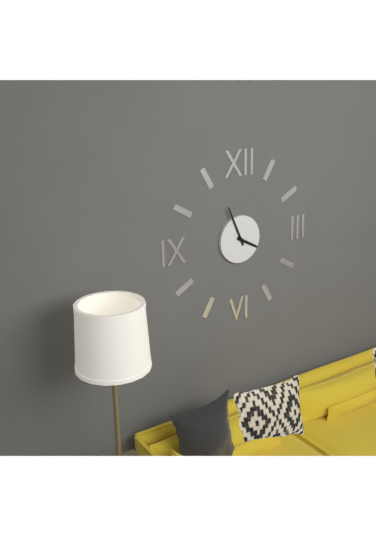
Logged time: 3 h 56 min
